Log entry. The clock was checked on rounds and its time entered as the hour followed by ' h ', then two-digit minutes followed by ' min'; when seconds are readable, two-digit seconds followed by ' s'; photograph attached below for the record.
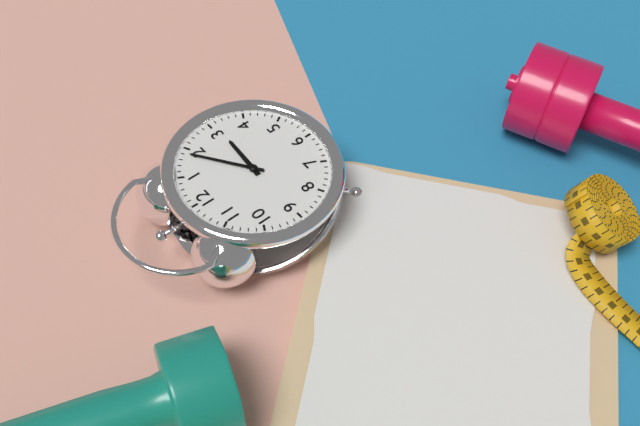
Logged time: 3 h 09 min
